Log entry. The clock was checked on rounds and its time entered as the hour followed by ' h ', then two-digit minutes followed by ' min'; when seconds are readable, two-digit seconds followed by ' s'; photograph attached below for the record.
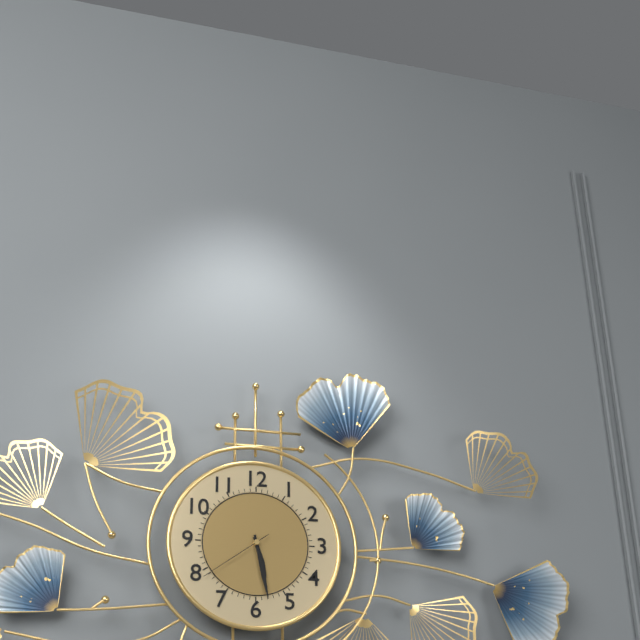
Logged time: 5 h 28 min 39 s
